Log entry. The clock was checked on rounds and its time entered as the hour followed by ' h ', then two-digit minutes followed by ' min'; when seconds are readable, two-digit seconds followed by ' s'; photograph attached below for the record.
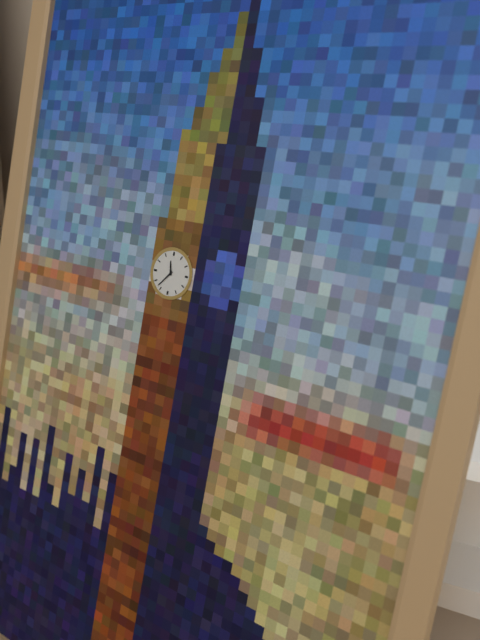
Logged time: 11 h 37 min
